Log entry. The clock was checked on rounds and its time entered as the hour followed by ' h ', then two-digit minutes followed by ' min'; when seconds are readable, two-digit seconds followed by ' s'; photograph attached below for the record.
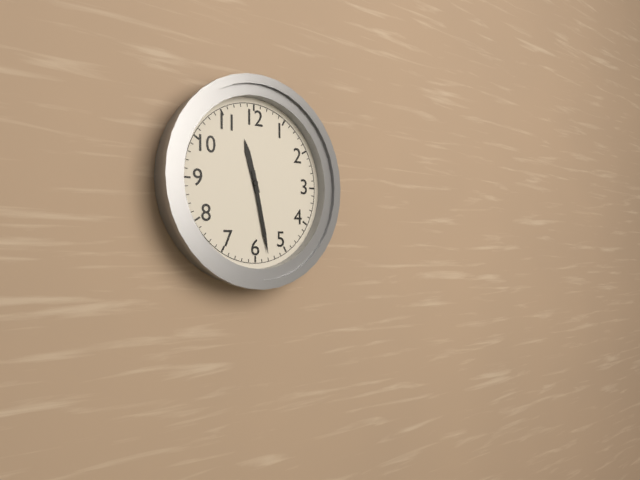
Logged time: 11 h 28 min
